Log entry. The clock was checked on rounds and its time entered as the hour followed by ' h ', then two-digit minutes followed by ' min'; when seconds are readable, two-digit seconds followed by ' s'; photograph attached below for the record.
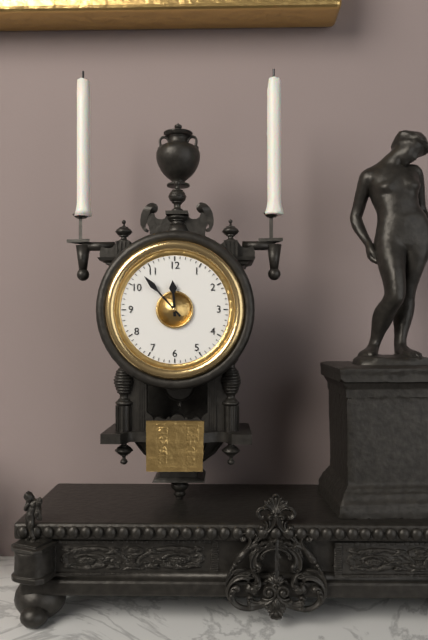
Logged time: 11 h 53 min
